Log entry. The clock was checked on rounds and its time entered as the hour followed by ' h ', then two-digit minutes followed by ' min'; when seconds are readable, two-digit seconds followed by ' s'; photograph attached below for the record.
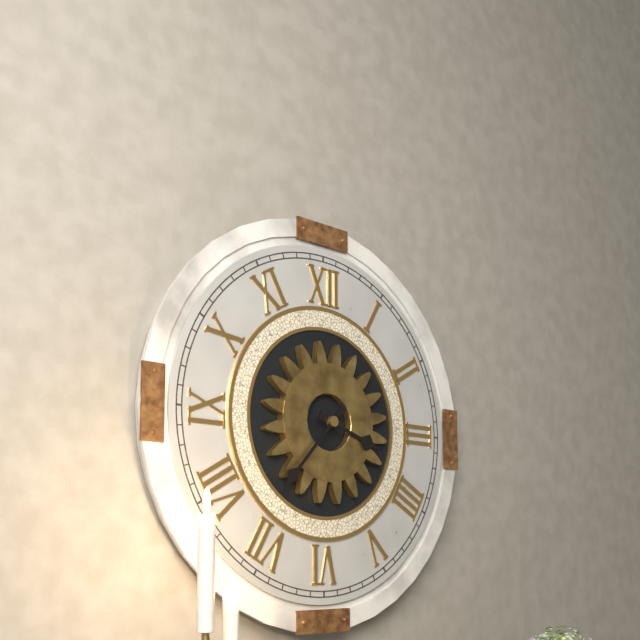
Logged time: 3 h 37 min
